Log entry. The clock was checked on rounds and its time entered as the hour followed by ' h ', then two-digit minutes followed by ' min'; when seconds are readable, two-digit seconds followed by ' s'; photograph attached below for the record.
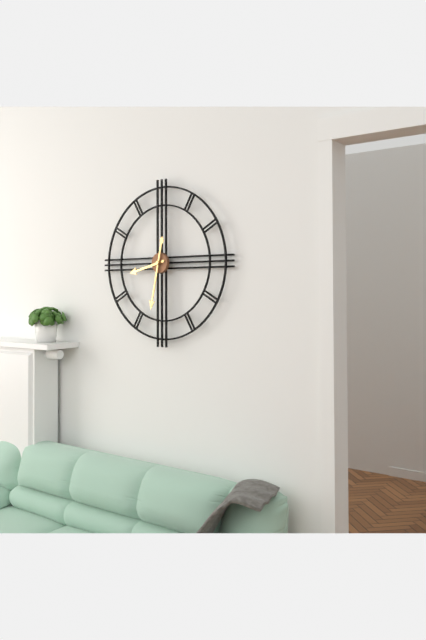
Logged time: 8 h 32 min
